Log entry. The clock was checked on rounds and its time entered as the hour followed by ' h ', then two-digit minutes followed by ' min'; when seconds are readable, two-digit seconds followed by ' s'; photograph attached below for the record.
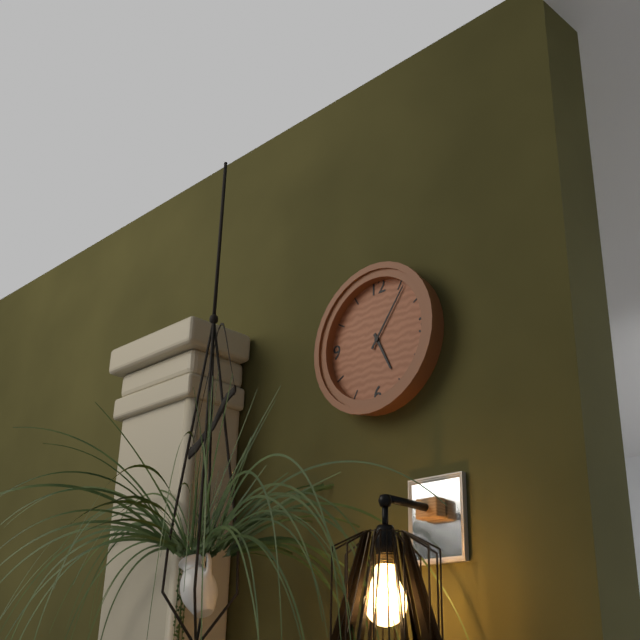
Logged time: 5 h 06 min
